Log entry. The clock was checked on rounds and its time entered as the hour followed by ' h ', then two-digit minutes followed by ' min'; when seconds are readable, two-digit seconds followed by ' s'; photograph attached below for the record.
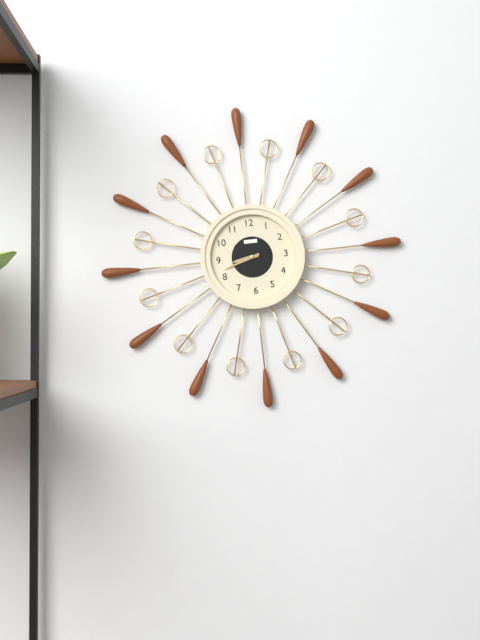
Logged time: 8 h 42 min
